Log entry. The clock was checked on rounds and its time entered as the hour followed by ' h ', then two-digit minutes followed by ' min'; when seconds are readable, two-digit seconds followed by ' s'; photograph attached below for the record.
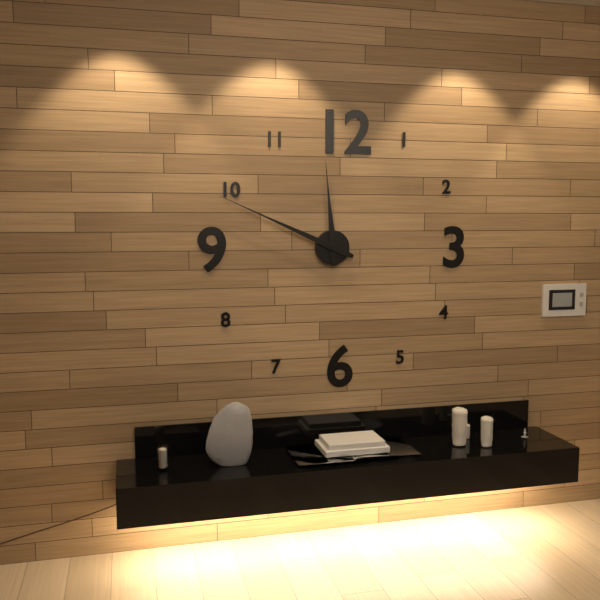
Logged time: 11 h 49 min
